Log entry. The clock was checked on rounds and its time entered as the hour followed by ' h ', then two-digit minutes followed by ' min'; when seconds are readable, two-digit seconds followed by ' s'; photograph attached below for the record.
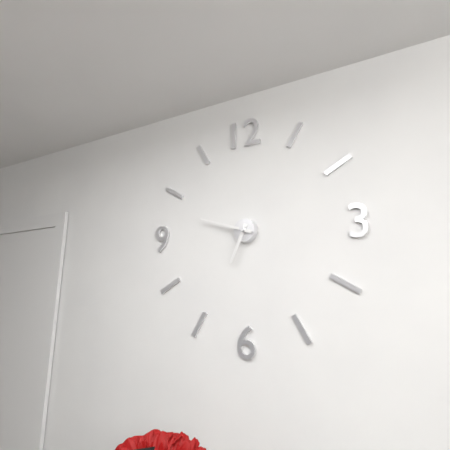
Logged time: 6 h 48 min
